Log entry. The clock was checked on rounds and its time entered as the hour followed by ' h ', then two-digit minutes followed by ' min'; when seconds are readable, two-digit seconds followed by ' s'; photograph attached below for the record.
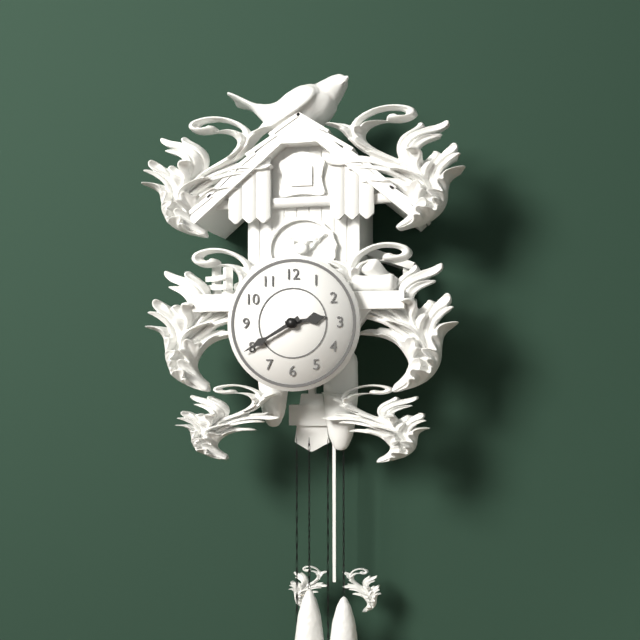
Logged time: 2 h 40 min
